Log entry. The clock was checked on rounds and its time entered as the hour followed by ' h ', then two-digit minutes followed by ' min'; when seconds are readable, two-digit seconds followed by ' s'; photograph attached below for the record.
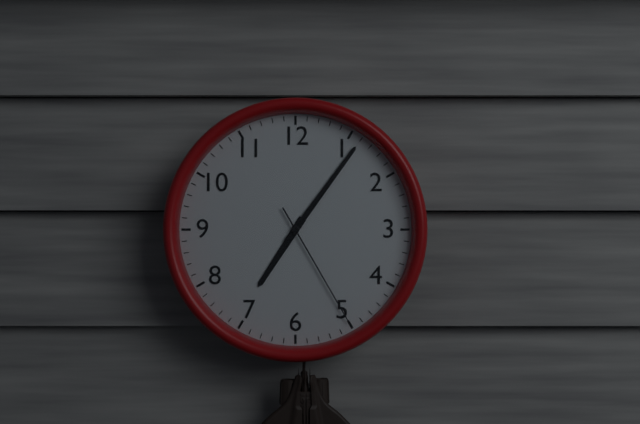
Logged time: 7 h 06 min 25 s
